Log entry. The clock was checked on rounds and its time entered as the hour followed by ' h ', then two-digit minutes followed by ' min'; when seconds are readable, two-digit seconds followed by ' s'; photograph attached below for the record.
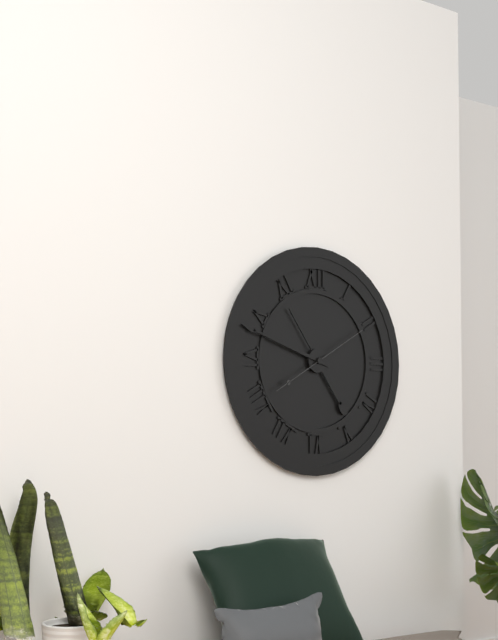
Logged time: 4 h 48 min 10 s
